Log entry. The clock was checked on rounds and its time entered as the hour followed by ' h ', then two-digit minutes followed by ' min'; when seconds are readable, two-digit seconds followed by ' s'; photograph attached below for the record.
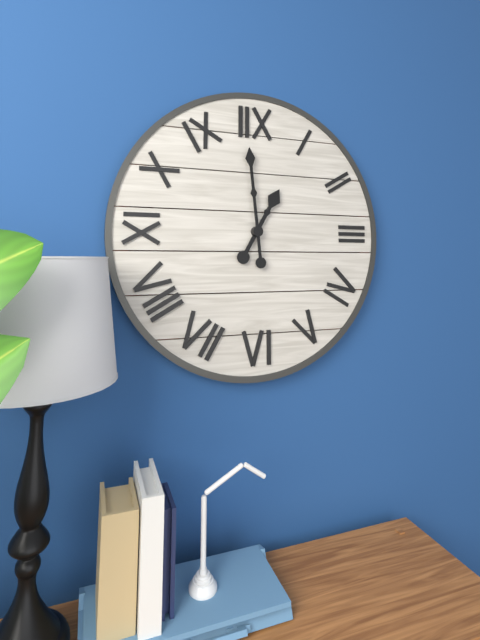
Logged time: 12 h 59 min
